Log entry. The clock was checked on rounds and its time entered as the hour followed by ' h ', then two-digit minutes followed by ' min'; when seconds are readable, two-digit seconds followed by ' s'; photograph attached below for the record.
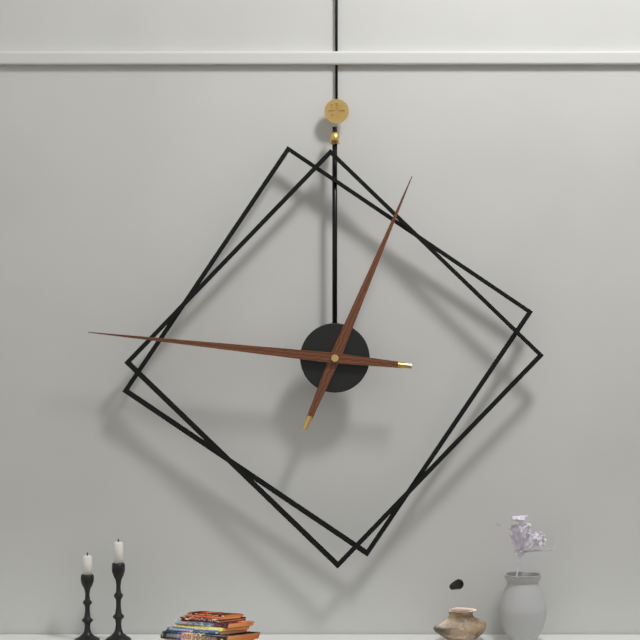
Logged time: 12 h 46 min
